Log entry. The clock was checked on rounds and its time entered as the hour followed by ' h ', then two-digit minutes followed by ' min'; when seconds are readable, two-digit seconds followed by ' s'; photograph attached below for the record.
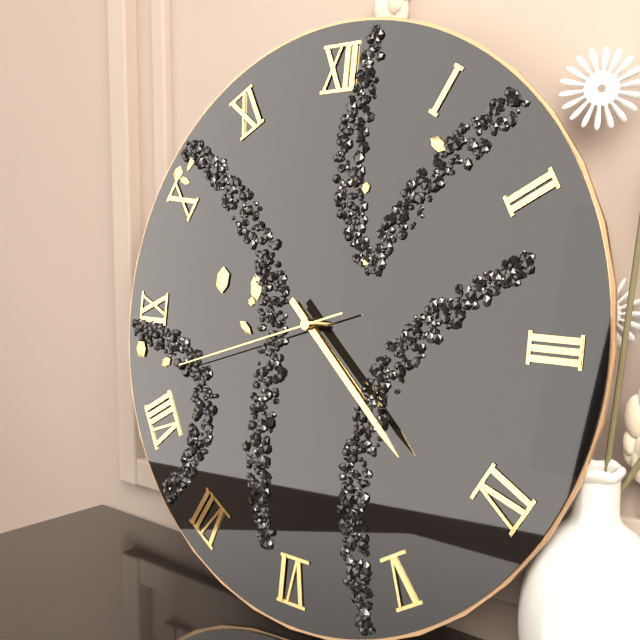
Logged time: 4 h 22 min 42 s
